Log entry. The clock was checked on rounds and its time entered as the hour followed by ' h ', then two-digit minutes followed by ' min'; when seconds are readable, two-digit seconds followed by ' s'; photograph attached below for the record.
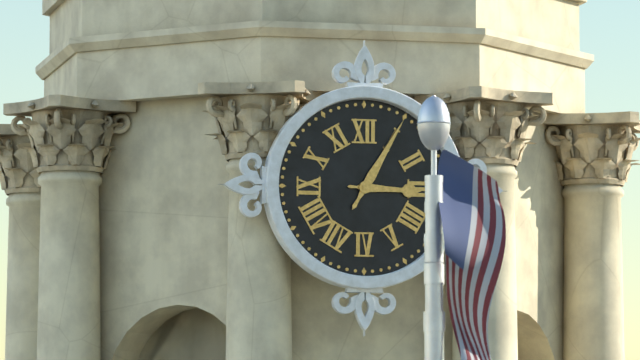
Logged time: 3 h 05 min
